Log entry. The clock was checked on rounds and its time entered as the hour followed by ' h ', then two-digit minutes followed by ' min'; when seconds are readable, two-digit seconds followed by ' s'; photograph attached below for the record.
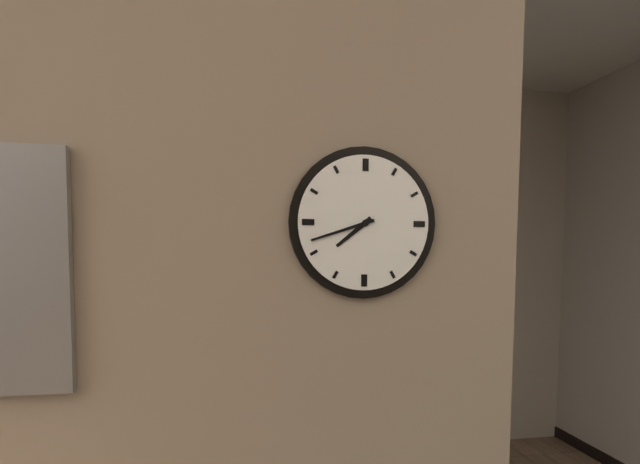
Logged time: 7 h 42 min
